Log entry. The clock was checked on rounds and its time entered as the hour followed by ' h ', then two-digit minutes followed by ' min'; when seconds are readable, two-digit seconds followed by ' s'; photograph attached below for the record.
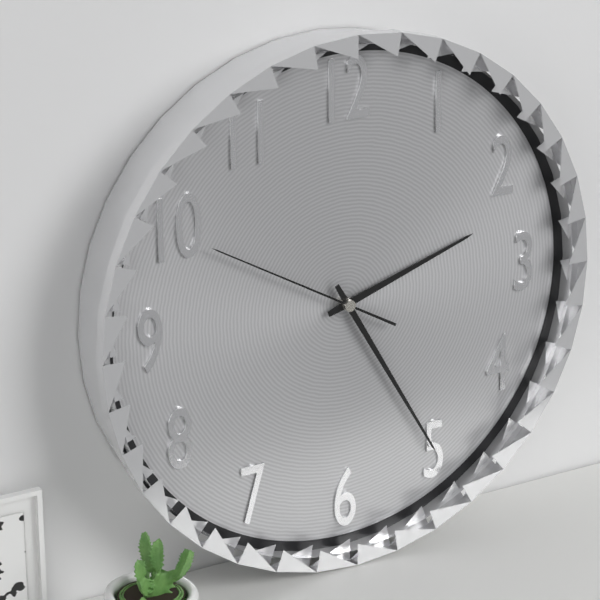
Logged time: 2 h 25 min 50 s
